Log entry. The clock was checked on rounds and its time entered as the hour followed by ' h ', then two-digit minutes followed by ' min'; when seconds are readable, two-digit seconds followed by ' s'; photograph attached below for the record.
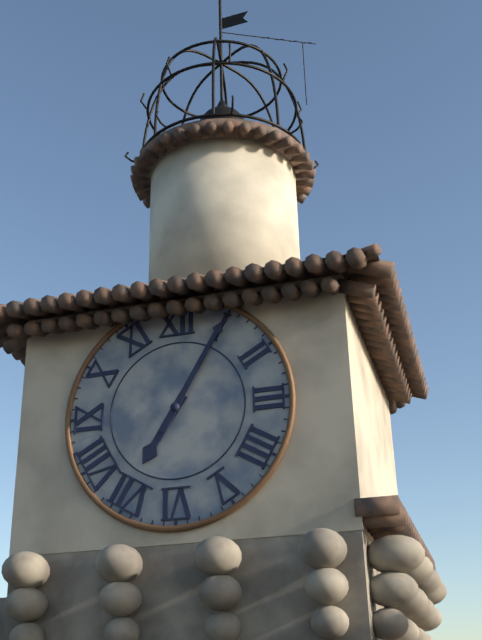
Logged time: 7 h 05 min
